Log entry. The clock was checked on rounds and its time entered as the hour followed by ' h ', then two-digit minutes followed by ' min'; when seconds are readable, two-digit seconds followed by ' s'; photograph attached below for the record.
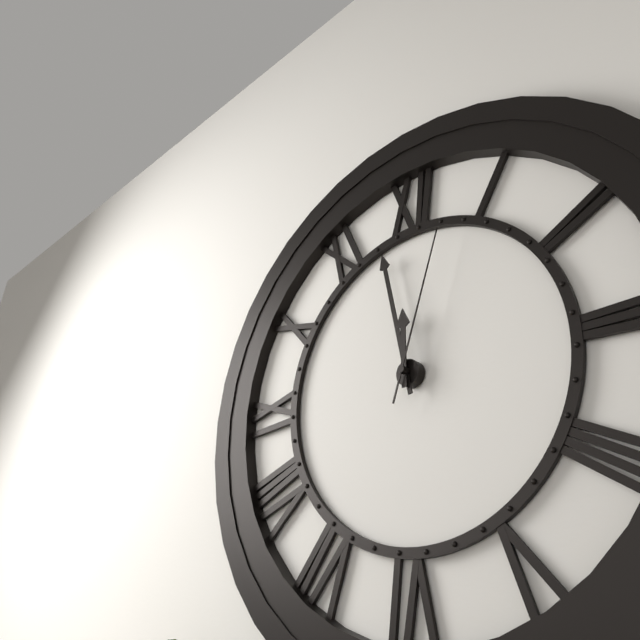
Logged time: 11 h 58 min 03 s
